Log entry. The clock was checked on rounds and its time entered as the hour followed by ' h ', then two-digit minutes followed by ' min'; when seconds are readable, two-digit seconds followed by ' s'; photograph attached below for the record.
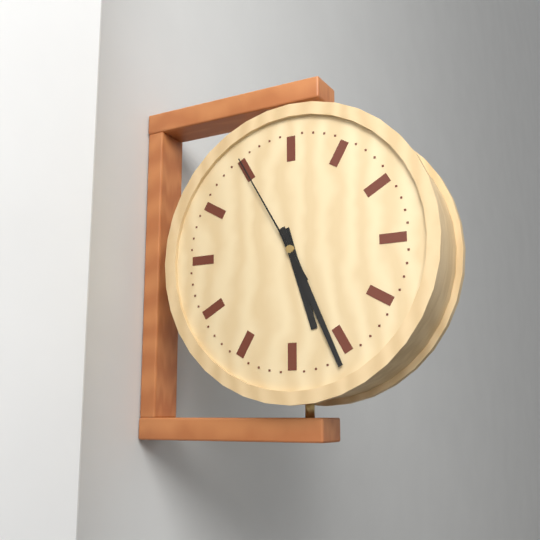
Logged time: 5 h 26 min 55 s
